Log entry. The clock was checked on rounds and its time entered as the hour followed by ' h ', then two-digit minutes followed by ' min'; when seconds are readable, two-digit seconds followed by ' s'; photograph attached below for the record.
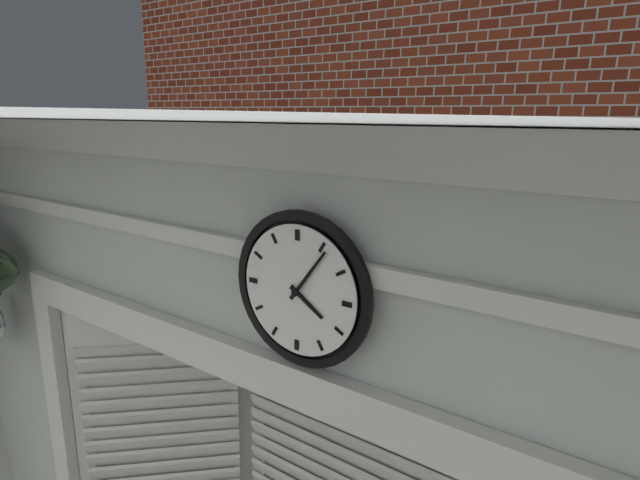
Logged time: 4 h 06 min
